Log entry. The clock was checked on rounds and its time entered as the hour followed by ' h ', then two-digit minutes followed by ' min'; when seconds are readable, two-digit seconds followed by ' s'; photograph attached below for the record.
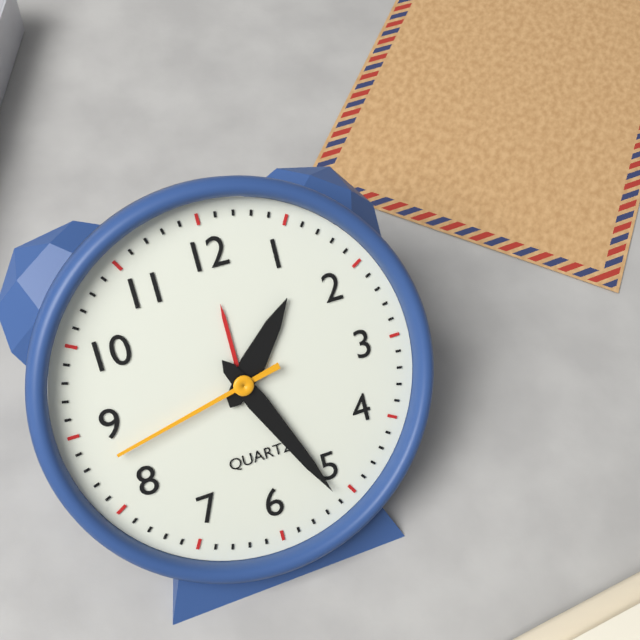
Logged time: 1 h 26 min 43 s
